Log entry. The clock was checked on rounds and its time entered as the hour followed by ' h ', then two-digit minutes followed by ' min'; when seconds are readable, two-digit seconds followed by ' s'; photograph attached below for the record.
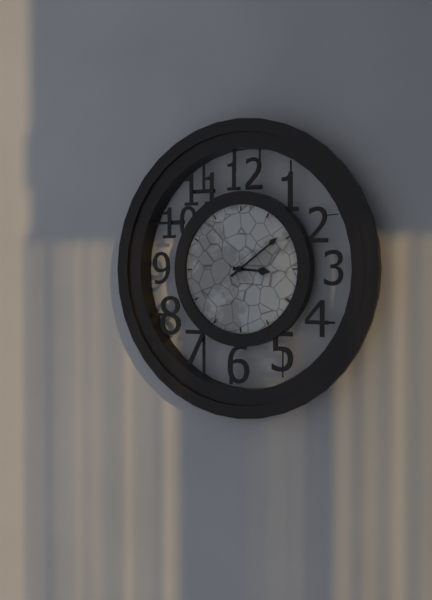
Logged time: 3 h 09 min
